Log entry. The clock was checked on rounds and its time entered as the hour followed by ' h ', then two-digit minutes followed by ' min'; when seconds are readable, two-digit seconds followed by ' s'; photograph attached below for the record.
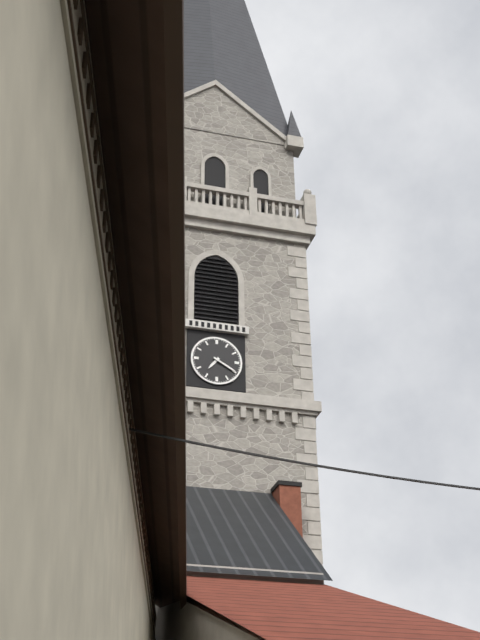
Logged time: 7 h 20 min
